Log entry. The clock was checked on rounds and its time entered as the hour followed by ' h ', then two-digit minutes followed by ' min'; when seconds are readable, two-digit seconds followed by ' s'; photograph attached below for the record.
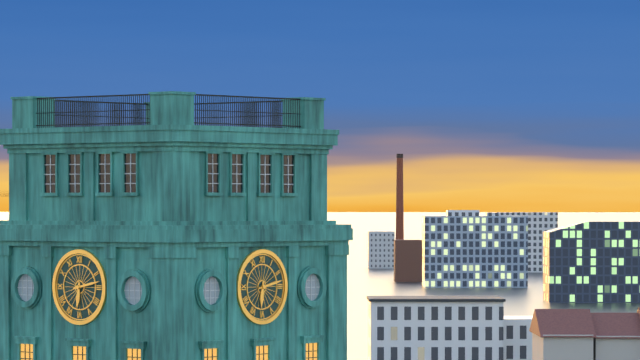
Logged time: 6 h 13 min
